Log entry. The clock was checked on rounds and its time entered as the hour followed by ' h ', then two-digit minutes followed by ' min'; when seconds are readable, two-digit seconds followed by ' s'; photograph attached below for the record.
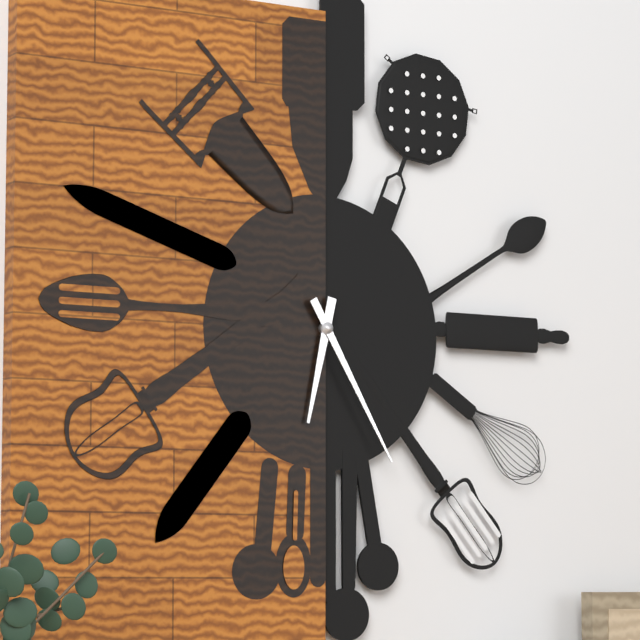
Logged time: 6 h 25 min
